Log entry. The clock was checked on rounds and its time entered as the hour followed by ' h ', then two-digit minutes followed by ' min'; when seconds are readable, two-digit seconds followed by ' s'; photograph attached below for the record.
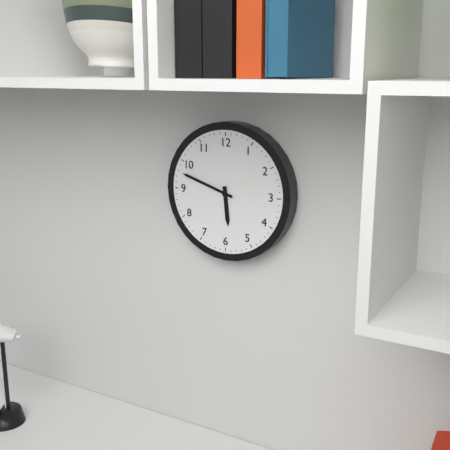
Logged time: 5 h 48 min
